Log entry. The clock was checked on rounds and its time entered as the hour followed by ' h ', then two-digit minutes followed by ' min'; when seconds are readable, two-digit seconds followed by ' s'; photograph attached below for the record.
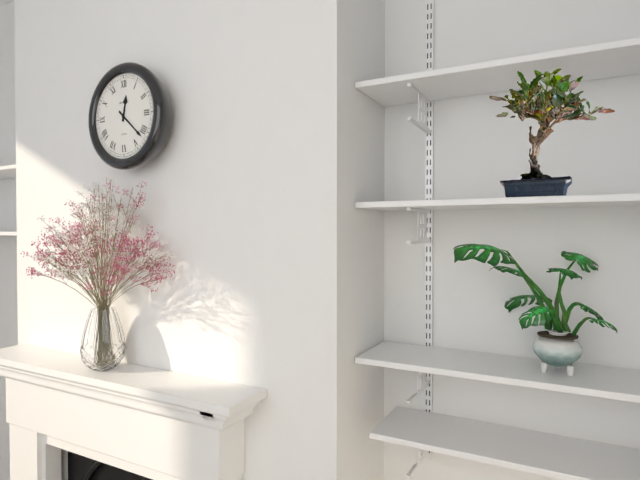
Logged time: 12 h 22 min
